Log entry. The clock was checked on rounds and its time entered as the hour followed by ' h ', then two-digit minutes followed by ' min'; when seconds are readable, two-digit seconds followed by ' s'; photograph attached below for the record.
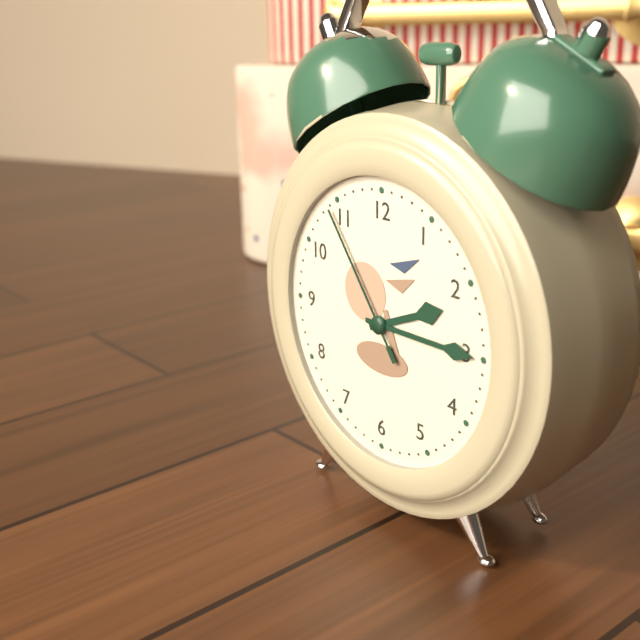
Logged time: 2 h 15 min 54 s
